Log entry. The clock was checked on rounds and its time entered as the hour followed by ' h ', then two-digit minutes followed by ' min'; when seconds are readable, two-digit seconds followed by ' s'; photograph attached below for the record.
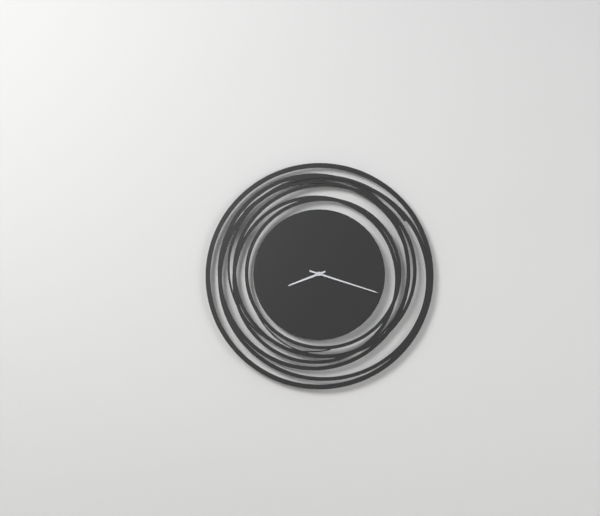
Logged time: 8 h 18 min
